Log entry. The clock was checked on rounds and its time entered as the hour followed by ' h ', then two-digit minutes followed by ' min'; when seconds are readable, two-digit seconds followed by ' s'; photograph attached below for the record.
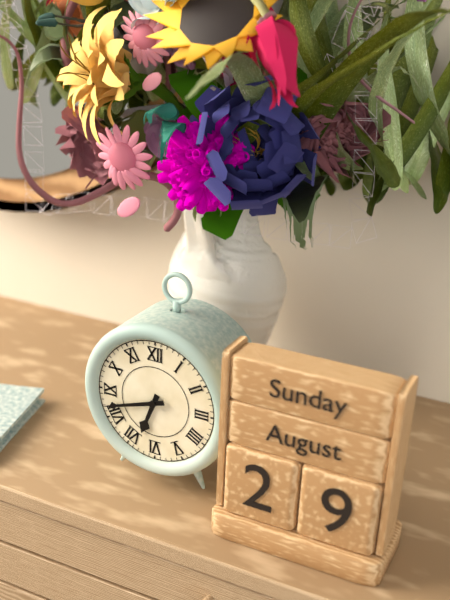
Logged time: 6 h 42 min
